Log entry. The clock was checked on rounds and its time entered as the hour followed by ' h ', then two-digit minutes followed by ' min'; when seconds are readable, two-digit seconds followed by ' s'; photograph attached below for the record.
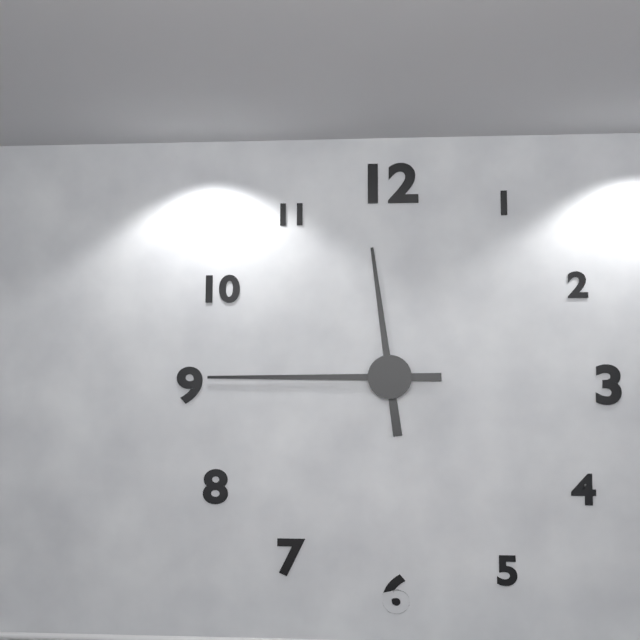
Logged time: 11 h 45 min
